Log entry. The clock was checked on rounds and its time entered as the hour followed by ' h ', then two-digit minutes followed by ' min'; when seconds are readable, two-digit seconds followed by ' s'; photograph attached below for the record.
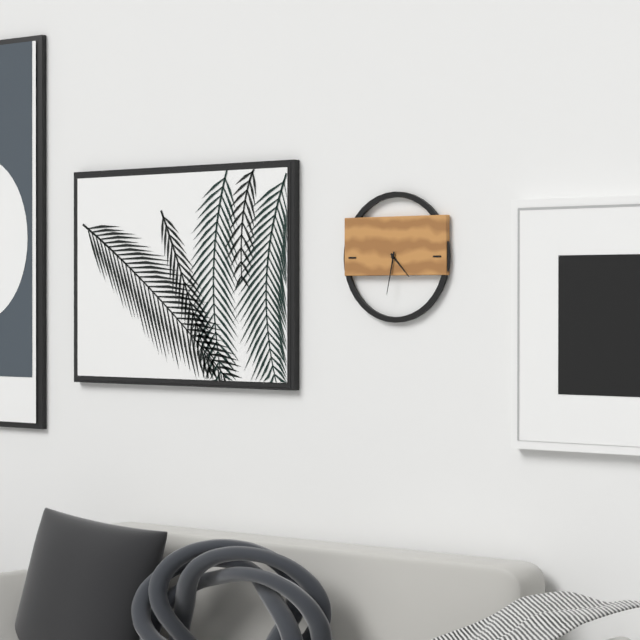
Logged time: 4 h 32 min
